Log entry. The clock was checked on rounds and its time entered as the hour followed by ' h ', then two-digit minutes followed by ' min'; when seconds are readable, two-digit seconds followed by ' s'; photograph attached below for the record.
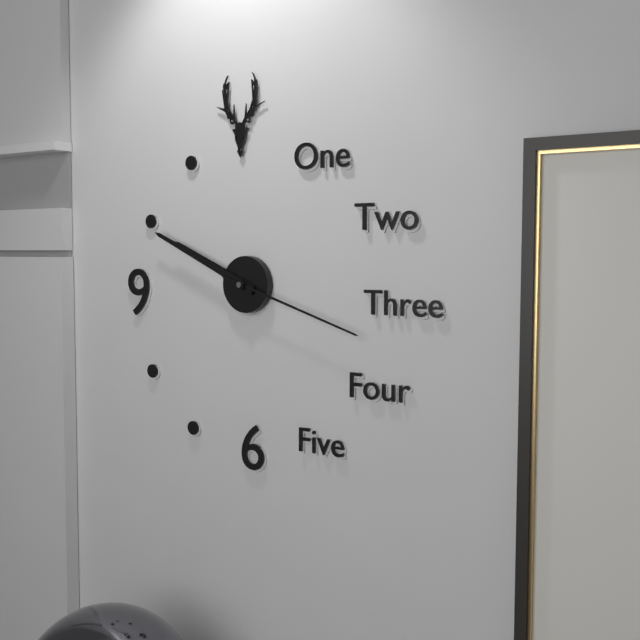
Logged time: 9 h 49 min 18 s
